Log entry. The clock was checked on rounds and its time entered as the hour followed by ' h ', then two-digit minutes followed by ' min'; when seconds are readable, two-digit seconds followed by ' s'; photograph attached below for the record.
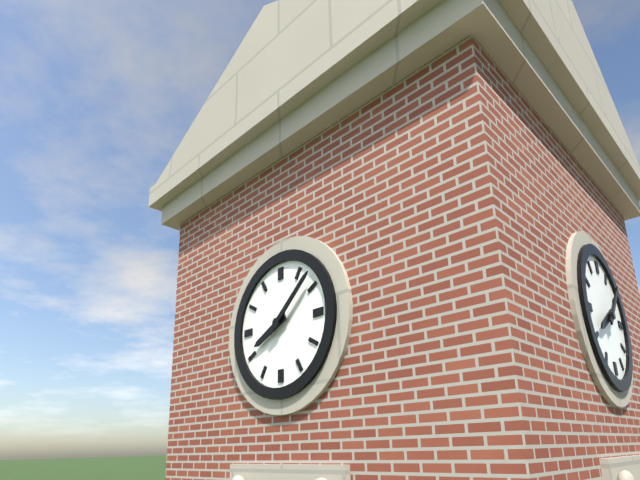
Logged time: 8 h 08 min
